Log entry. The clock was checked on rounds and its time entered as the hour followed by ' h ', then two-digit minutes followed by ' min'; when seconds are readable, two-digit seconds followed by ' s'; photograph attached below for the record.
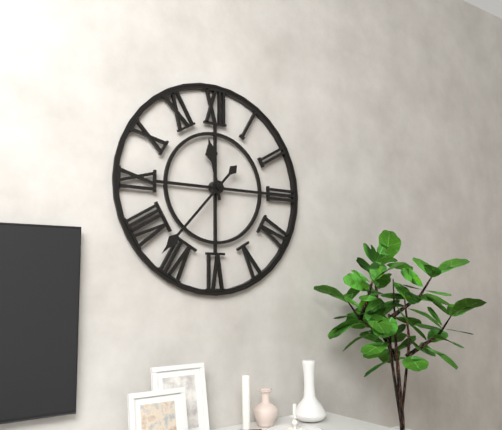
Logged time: 11 h 37 min
